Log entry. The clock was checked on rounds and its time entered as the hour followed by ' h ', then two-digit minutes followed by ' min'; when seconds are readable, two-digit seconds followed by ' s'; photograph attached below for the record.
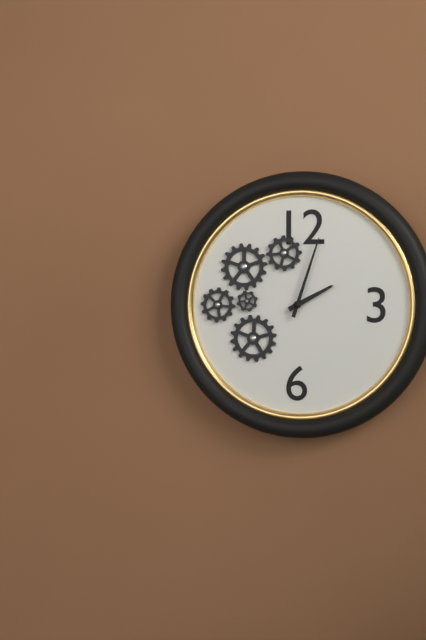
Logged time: 2 h 03 min
